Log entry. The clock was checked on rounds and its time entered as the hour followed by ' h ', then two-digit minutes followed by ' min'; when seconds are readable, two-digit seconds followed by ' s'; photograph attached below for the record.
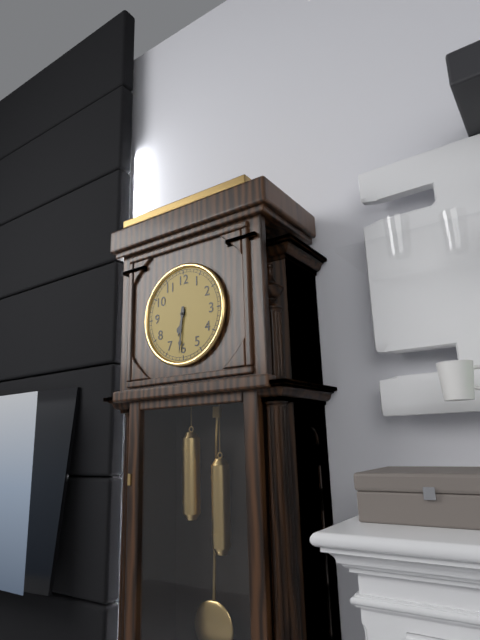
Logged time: 6 h 31 min
